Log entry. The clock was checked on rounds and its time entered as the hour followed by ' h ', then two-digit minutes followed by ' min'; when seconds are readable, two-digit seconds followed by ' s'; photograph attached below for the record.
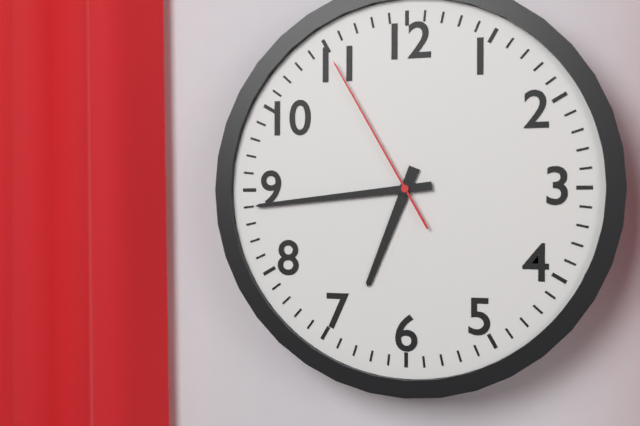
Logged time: 6 h 44 min 55 s
